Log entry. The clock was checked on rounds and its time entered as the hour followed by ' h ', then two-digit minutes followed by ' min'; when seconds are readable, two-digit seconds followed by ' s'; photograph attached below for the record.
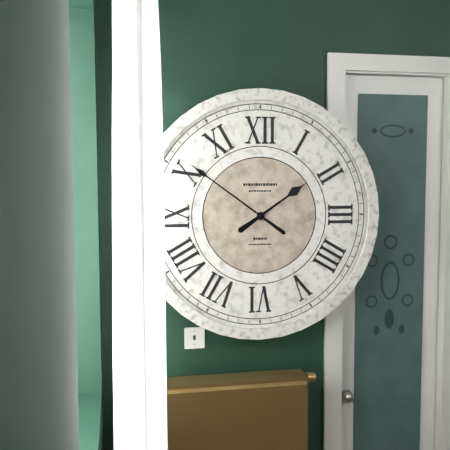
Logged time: 1 h 51 min
